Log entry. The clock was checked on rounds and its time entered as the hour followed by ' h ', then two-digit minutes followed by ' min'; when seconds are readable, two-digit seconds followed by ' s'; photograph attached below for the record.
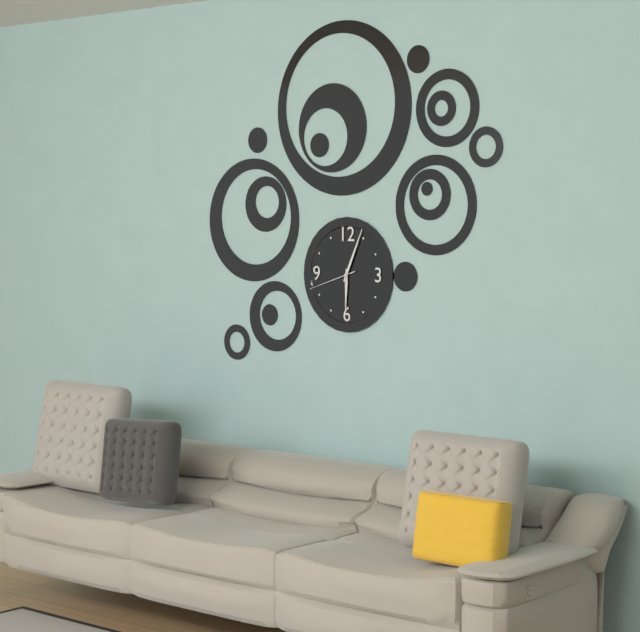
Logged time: 6 h 04 min
